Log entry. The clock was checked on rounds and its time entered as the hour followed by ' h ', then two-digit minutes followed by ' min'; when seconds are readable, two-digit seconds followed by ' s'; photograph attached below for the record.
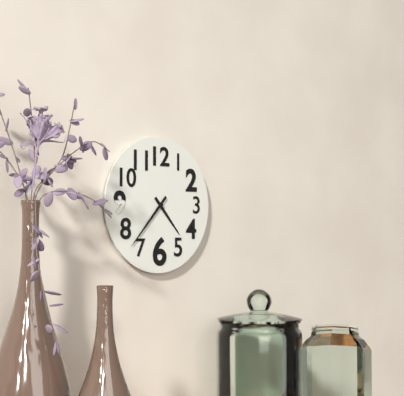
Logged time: 4 h 37 min
